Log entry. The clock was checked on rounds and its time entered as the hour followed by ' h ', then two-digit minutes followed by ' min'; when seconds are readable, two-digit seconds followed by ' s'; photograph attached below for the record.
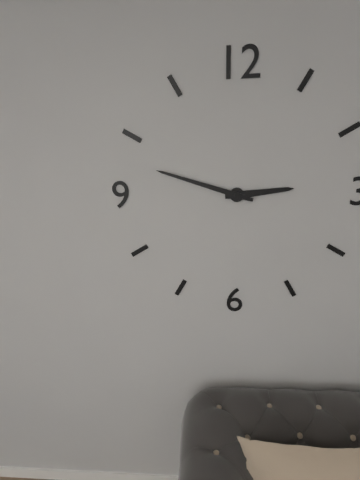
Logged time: 2 h 48 min
